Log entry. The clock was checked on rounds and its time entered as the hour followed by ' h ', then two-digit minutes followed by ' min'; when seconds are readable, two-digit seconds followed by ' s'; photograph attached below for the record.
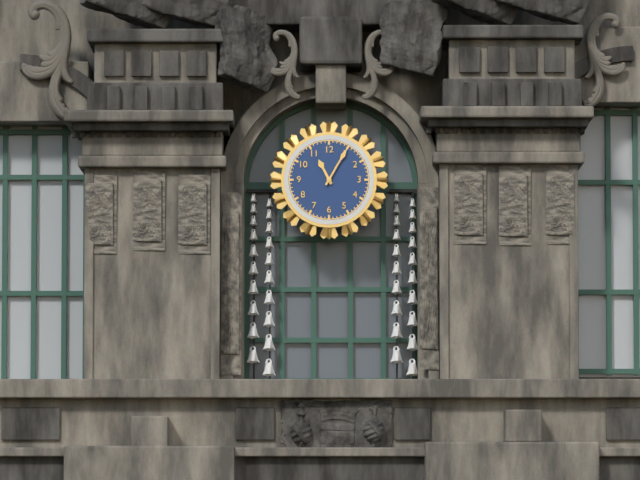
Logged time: 11 h 05 min
